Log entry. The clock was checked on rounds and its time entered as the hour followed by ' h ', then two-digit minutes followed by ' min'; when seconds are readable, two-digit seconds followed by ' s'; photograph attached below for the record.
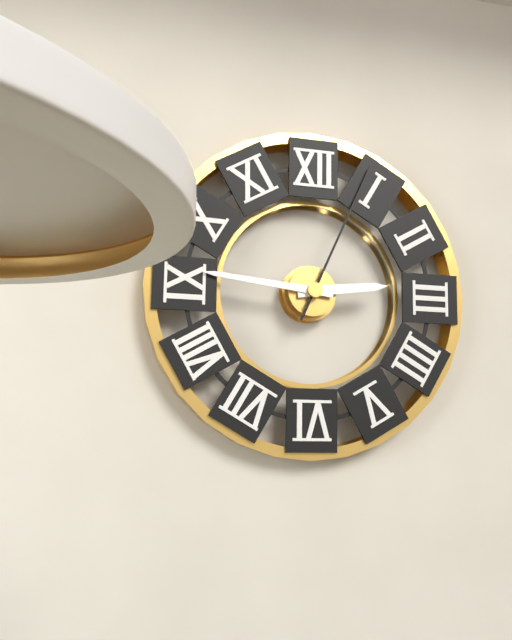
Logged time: 2 h 46 min 04 s
